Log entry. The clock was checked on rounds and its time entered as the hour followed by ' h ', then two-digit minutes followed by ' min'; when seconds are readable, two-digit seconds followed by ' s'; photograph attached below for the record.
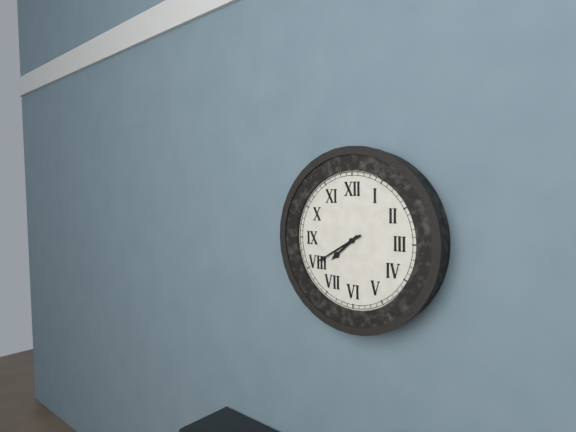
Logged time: 7 h 40 min
